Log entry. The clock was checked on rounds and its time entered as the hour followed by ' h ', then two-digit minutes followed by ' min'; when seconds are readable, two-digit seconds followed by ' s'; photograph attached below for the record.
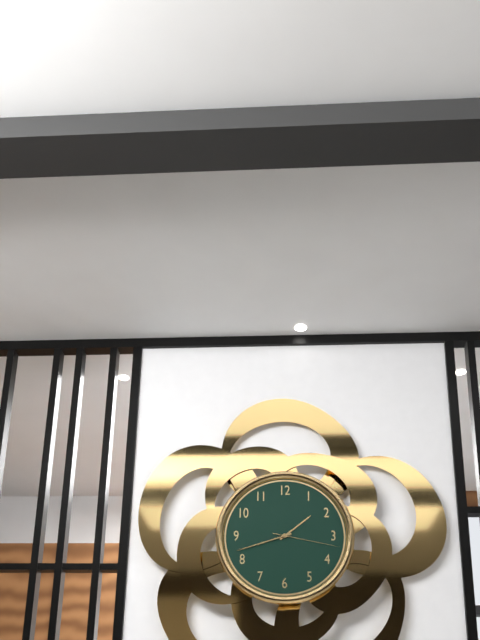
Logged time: 1 h 42 min 17 s
